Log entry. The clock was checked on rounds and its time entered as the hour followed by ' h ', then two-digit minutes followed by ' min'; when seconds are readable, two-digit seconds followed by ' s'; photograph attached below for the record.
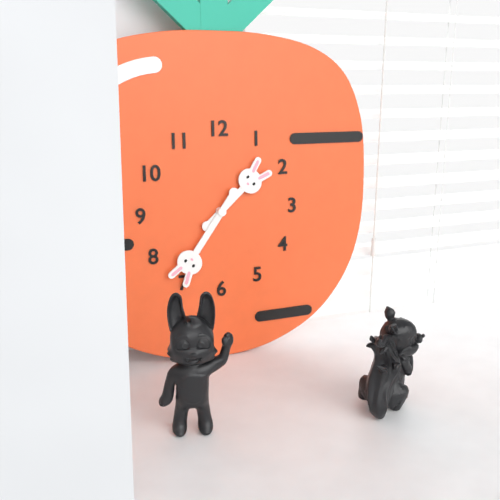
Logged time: 1 h 36 min
